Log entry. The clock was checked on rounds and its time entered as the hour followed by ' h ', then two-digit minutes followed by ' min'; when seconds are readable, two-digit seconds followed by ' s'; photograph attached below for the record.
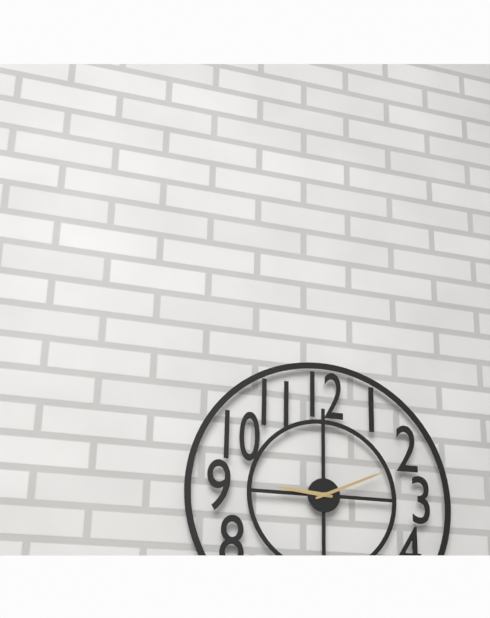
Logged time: 9 h 11 min
